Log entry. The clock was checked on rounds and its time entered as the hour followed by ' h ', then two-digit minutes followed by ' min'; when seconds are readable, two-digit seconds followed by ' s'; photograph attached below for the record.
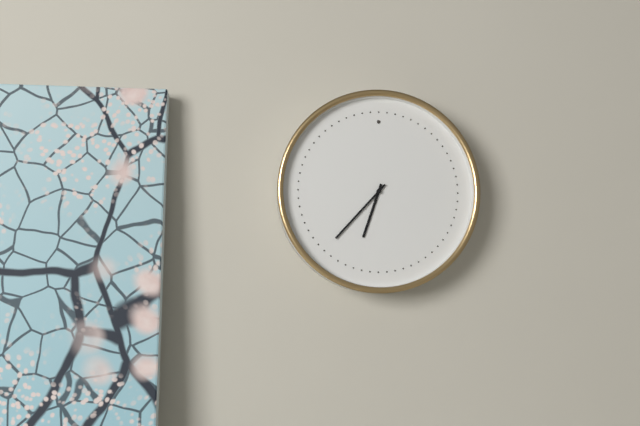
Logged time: 6 h 37 min
